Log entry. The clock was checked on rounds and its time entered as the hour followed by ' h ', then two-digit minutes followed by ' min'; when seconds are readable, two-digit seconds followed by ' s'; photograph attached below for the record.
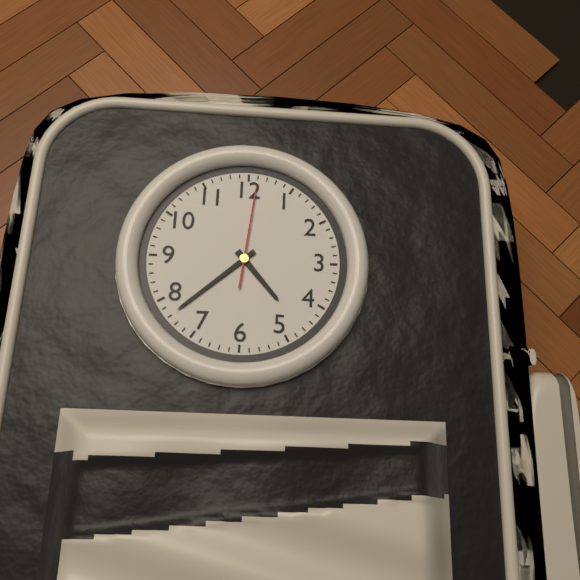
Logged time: 4 h 38 min 01 s
